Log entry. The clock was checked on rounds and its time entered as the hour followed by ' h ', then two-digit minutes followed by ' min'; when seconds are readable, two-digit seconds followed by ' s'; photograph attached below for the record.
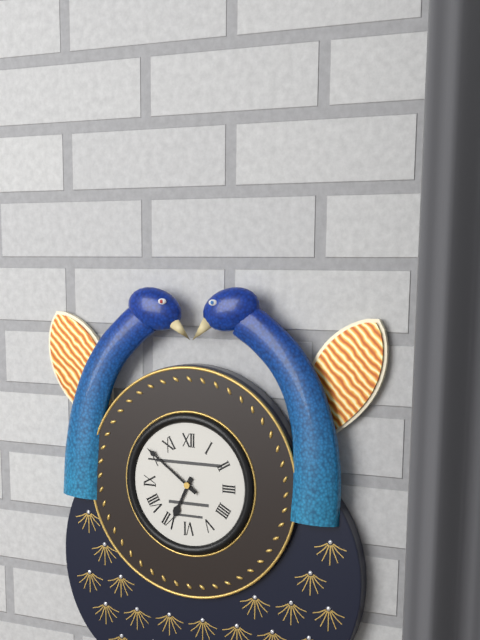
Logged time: 6 h 51 min
